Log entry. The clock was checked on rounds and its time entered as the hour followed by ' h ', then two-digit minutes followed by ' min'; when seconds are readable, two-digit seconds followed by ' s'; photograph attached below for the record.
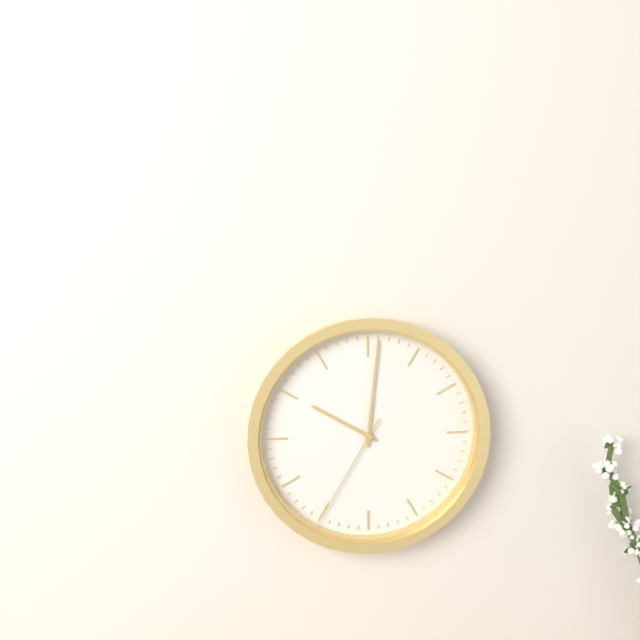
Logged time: 10 h 01 min 35 s
